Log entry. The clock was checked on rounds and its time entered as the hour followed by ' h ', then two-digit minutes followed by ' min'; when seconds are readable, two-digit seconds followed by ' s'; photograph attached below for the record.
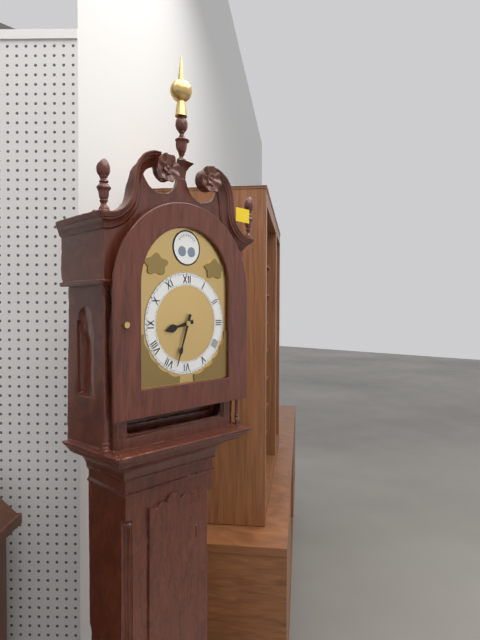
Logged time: 8 h 33 min
